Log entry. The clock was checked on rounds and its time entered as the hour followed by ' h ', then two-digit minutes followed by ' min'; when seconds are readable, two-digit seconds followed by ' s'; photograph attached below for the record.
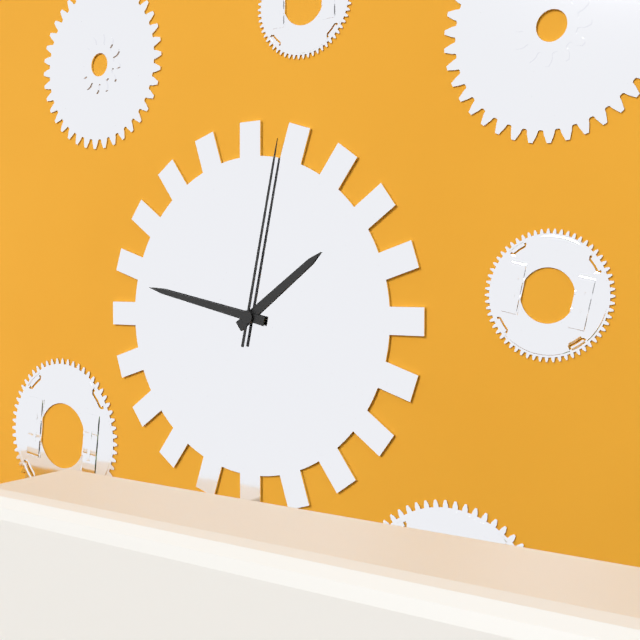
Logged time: 1 h 47 min 02 s
